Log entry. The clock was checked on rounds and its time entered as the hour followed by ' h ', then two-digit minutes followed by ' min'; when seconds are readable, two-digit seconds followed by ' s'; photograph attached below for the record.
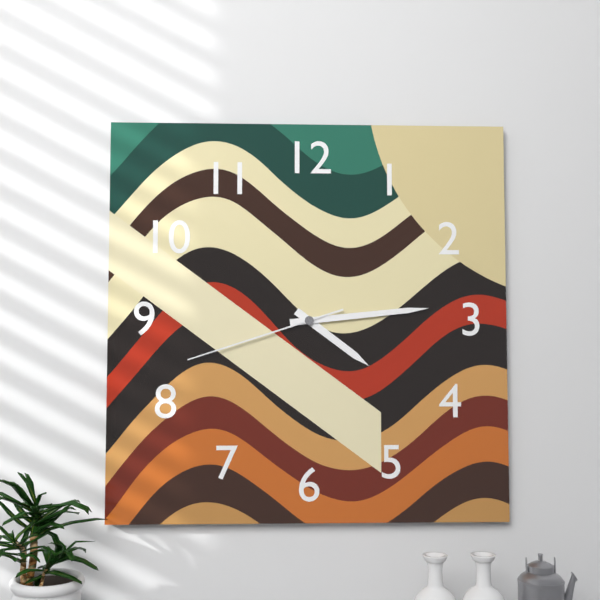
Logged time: 4 h 14 min 42 s
